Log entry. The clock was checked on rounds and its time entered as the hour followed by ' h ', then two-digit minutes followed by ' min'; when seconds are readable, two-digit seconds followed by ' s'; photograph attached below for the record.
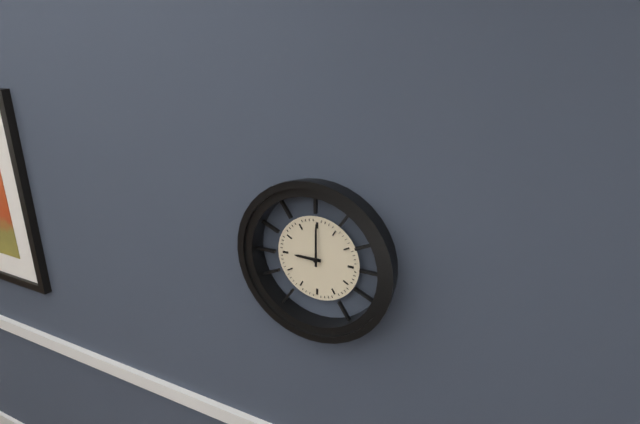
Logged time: 9 h 00 min
